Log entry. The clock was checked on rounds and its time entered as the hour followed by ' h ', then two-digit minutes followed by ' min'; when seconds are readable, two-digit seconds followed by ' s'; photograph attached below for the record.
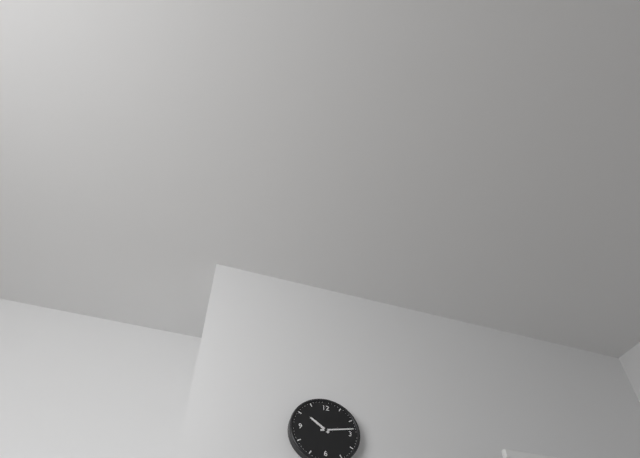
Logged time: 10 h 13 min
